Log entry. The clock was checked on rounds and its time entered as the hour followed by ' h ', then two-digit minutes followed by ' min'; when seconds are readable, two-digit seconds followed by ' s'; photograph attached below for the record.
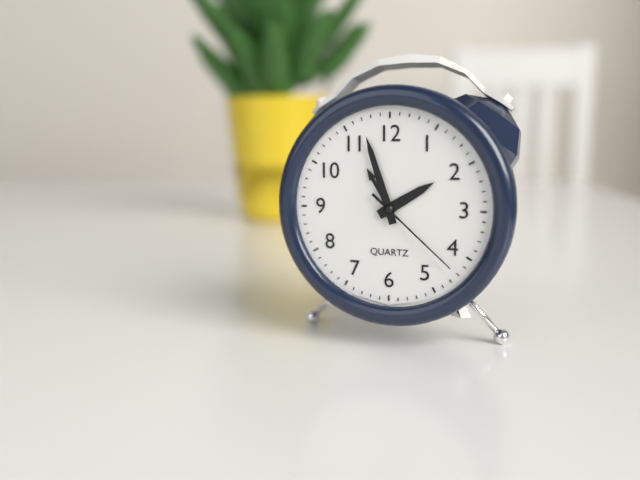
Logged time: 1 h 57 min 22 s
